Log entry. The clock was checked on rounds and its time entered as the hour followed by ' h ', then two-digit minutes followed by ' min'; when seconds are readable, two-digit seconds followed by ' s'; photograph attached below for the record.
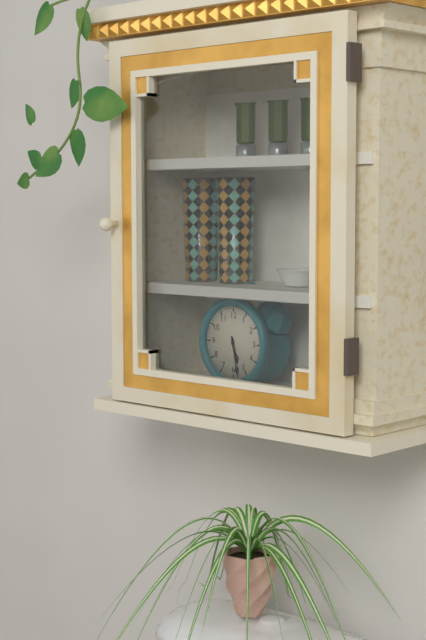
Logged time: 5 h 28 min
